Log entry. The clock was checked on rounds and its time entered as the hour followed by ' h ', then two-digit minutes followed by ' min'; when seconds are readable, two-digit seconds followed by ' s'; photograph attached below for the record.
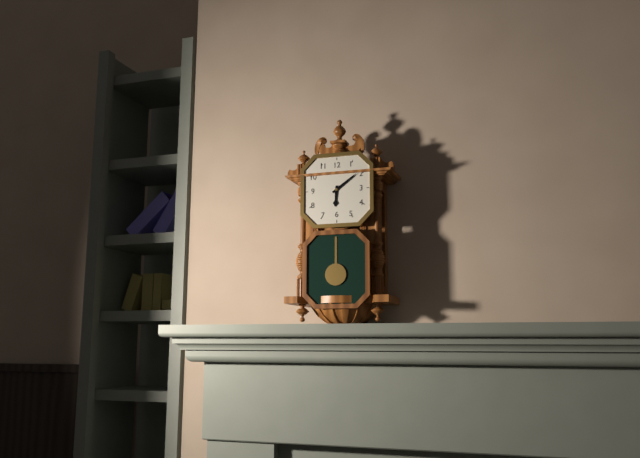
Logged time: 6 h 09 min
